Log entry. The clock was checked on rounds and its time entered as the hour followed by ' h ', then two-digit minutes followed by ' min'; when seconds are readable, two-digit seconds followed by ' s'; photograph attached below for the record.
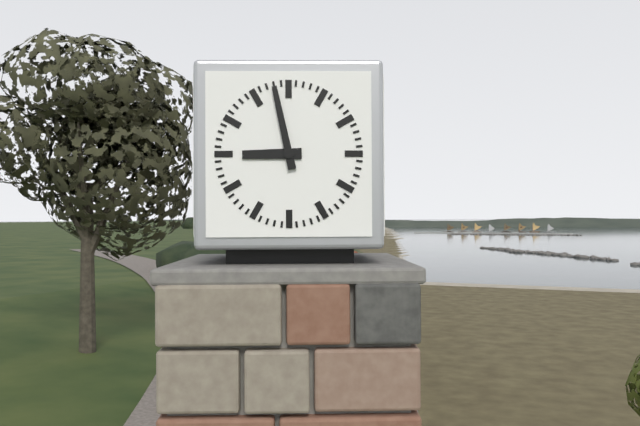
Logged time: 8 h 58 min
